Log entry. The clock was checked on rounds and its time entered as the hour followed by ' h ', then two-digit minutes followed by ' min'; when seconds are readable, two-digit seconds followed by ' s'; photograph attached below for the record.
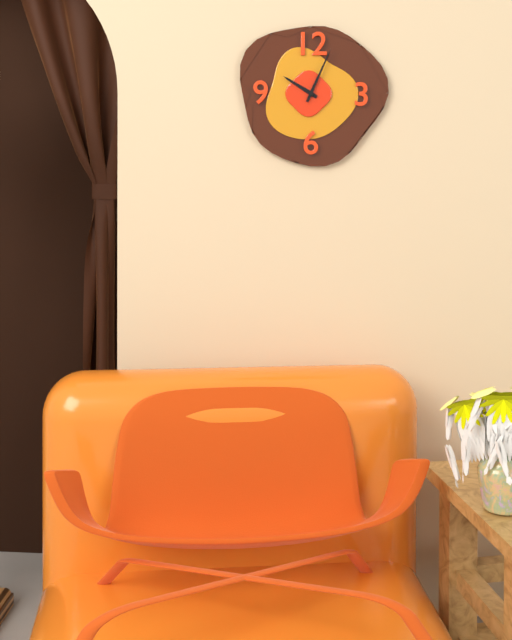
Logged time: 10 h 04 min
